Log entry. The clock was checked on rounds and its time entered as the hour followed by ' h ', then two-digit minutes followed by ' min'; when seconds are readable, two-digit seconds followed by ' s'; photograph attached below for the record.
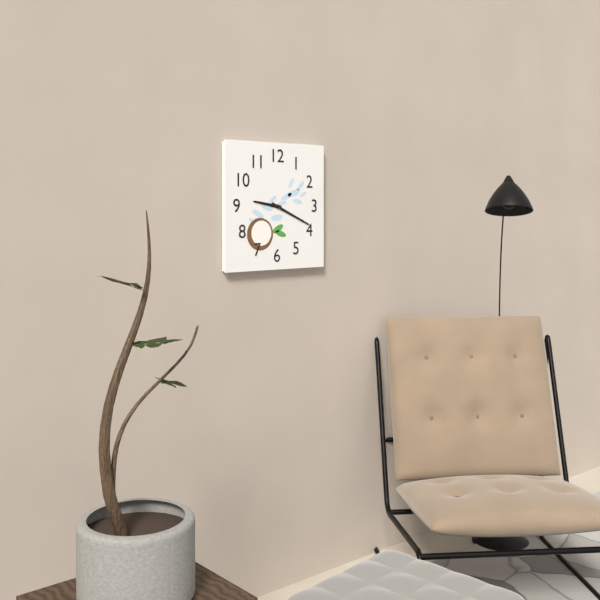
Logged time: 9 h 19 min
